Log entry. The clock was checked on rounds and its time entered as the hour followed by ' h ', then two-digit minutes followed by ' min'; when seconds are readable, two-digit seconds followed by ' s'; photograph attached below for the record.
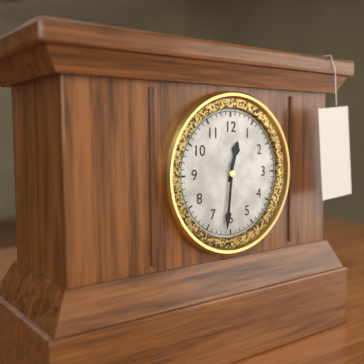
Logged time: 12 h 31 min
